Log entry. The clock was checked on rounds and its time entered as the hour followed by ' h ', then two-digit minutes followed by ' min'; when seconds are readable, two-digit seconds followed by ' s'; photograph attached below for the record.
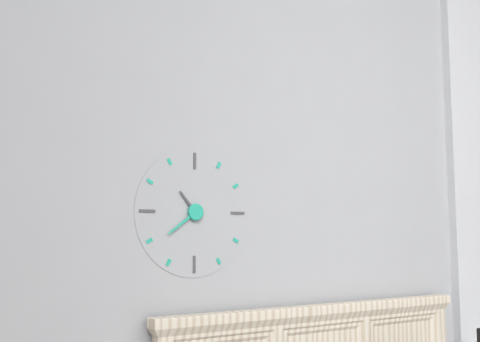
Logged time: 10 h 39 min
